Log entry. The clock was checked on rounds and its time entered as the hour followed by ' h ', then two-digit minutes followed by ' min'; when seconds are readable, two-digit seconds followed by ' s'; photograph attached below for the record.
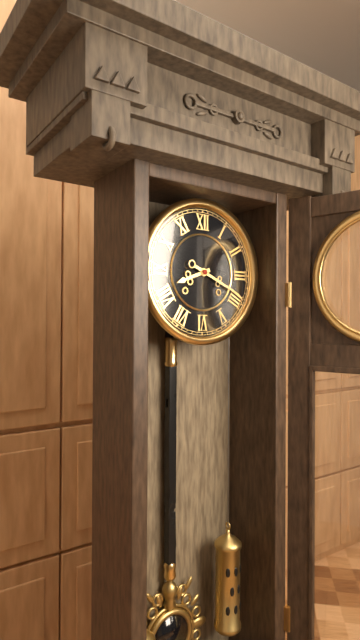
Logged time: 8 h 19 min
